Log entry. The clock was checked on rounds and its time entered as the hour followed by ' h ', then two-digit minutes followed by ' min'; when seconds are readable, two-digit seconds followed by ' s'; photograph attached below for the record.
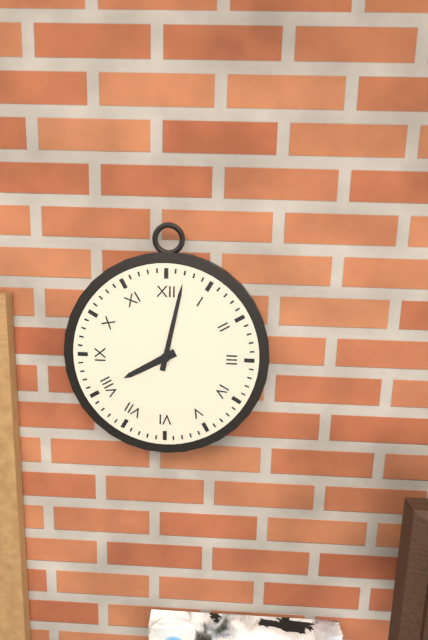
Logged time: 8 h 02 min
